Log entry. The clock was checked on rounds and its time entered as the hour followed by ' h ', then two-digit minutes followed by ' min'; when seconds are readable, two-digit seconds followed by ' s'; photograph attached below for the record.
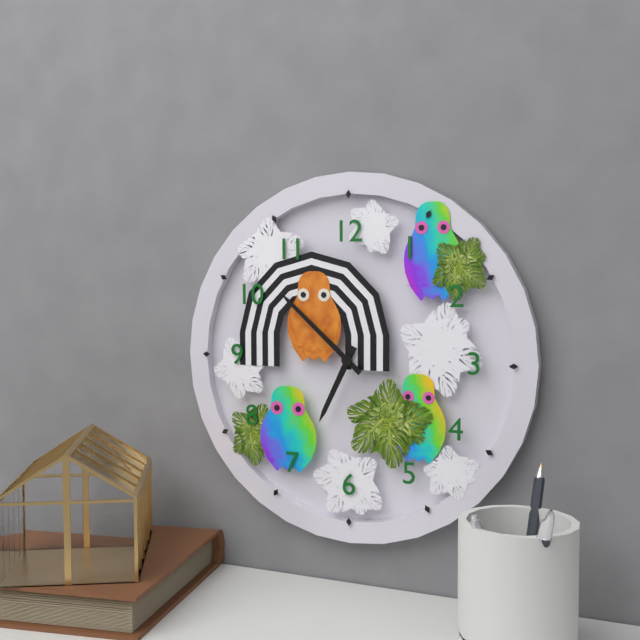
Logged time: 6 h 52 min
